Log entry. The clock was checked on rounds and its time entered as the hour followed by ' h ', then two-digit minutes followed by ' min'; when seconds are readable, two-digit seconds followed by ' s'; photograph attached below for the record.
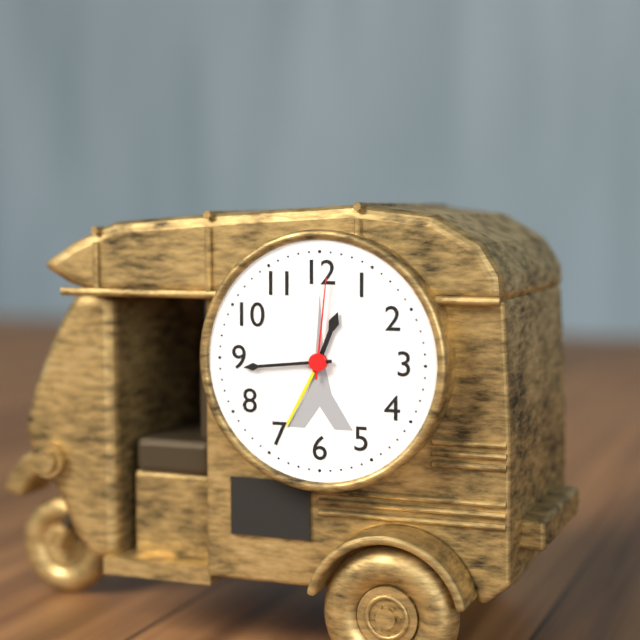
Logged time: 12 h 44 min 01 s
